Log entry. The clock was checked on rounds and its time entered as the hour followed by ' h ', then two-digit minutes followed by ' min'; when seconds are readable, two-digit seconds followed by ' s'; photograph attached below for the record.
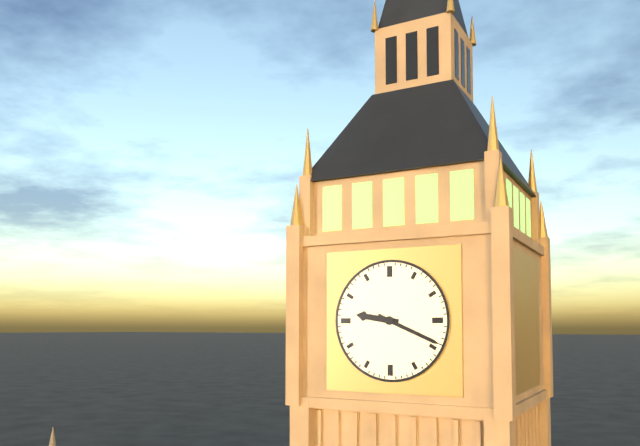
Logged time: 9 h 19 min
